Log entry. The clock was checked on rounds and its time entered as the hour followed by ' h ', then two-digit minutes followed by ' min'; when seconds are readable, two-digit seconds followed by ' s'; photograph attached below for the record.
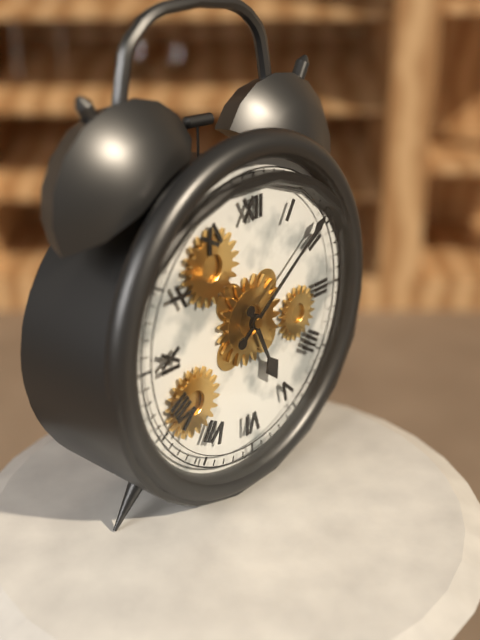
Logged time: 5 h 09 min
